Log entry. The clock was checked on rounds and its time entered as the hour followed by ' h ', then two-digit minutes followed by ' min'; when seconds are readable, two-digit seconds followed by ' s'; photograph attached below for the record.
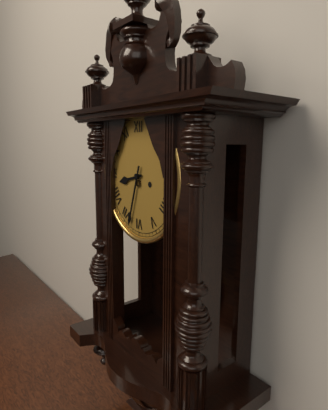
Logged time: 8 h 33 min
